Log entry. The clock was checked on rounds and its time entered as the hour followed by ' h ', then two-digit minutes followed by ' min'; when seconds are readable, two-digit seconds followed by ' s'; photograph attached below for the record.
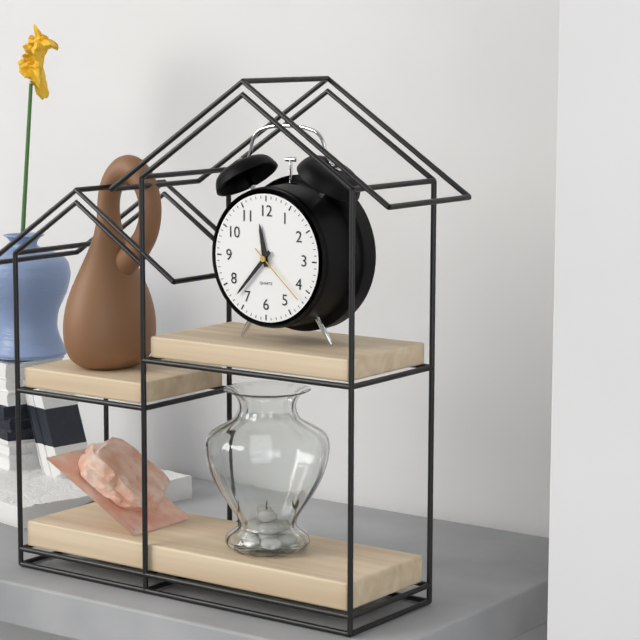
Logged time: 11 h 37 min 22 s
